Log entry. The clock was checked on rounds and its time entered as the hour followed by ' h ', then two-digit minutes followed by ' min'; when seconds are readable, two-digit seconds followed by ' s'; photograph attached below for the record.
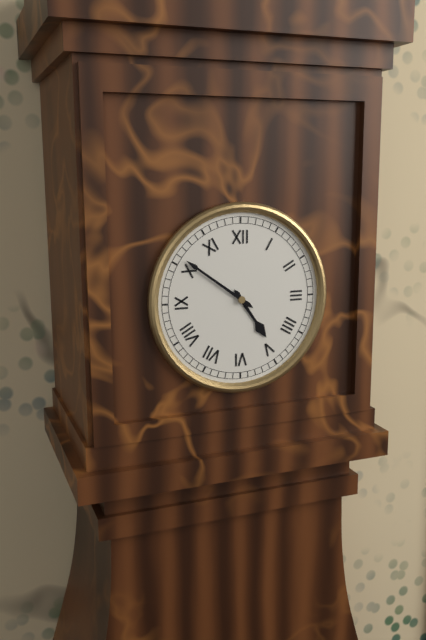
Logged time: 4 h 51 min
